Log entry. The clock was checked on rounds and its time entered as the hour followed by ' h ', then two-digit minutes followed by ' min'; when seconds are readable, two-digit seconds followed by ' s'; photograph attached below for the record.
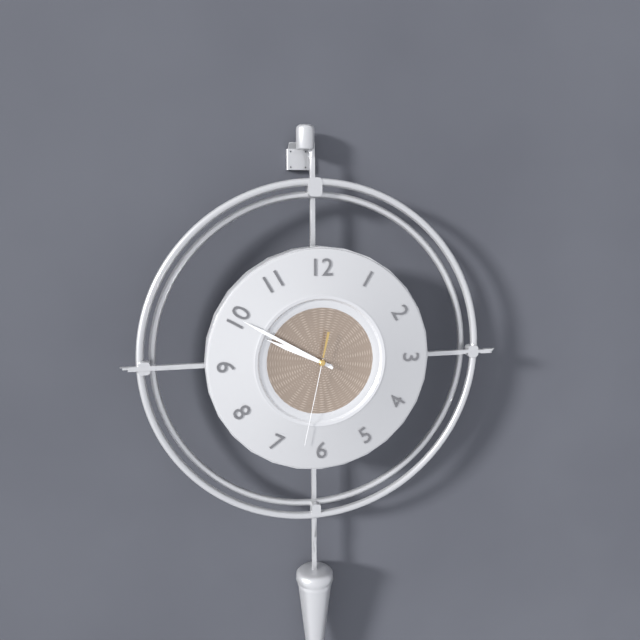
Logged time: 9 h 50 min 32 s
